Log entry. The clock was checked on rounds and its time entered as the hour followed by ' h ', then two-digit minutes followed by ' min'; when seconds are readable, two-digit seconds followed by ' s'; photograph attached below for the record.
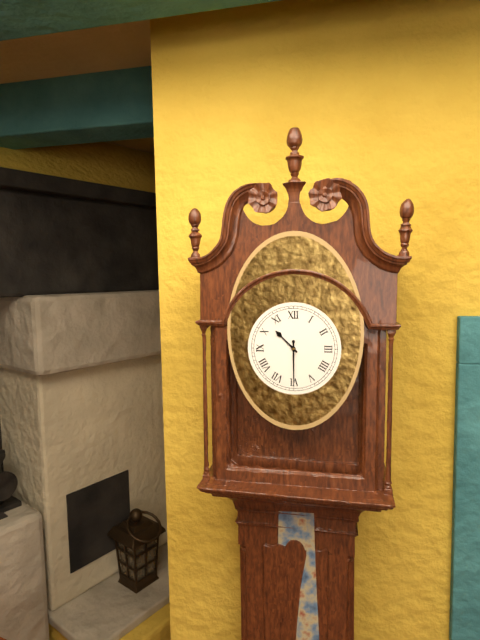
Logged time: 10 h 30 min
